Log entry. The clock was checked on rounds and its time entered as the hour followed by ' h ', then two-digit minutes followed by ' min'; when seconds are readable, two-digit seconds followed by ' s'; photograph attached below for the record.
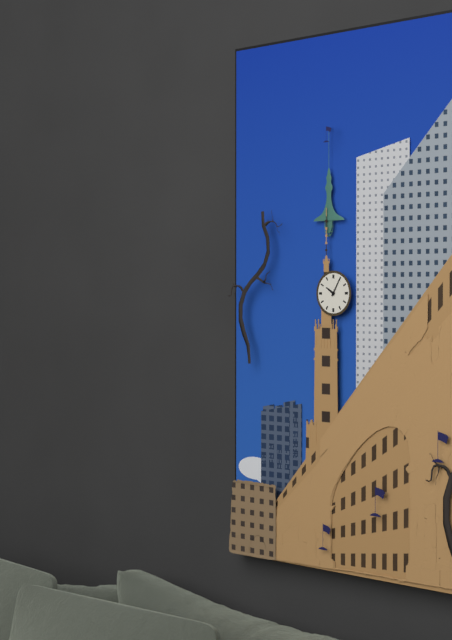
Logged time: 10 h 05 min
